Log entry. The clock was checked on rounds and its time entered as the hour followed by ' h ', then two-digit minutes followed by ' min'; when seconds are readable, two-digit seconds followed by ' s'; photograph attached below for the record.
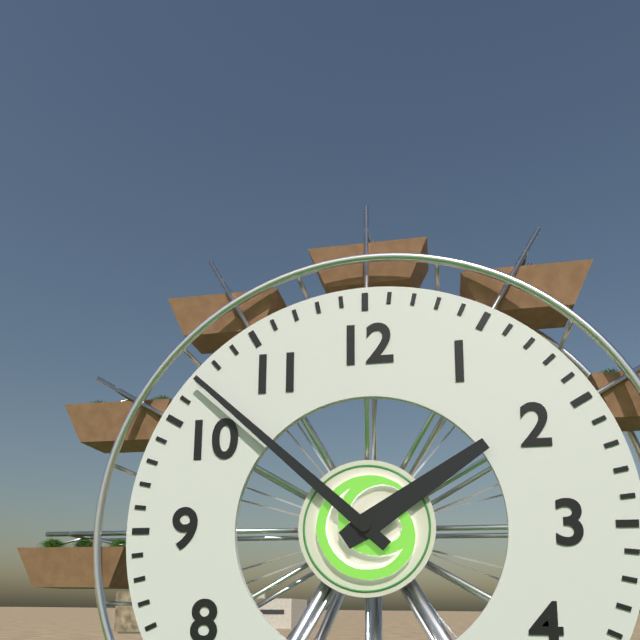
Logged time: 1 h 52 min
